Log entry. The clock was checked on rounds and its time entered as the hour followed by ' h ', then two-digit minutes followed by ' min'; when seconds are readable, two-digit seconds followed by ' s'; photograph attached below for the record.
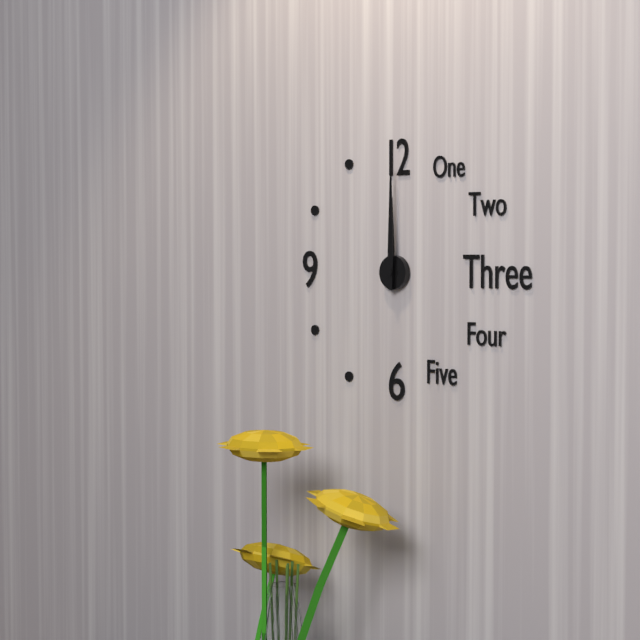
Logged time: 12 h 00 min
